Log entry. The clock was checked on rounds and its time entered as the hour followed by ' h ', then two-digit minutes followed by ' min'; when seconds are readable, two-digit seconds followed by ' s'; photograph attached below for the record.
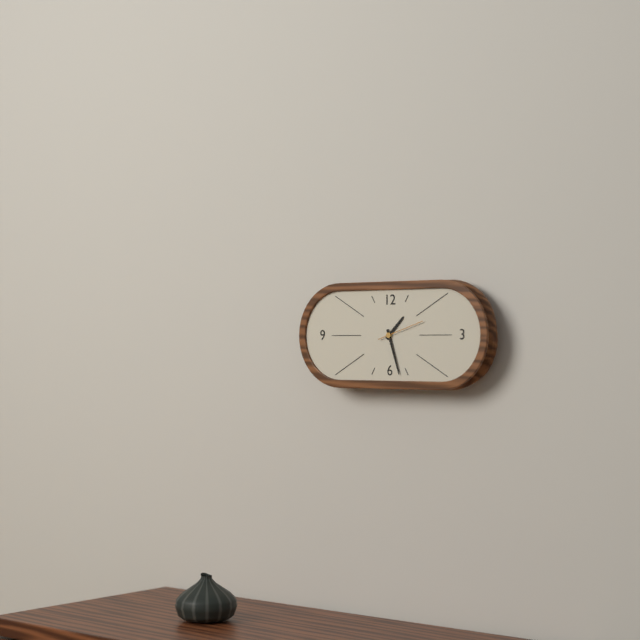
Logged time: 1 h 27 min
